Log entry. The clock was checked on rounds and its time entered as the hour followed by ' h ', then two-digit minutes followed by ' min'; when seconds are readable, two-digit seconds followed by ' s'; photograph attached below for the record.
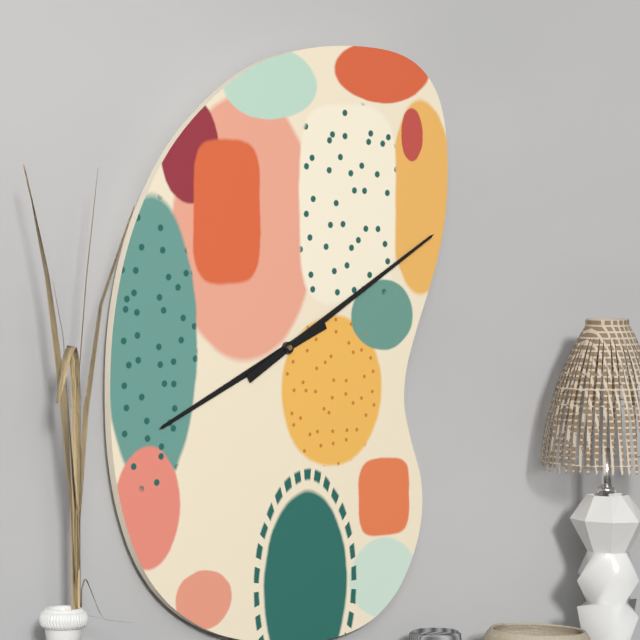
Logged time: 8 h 10 min
